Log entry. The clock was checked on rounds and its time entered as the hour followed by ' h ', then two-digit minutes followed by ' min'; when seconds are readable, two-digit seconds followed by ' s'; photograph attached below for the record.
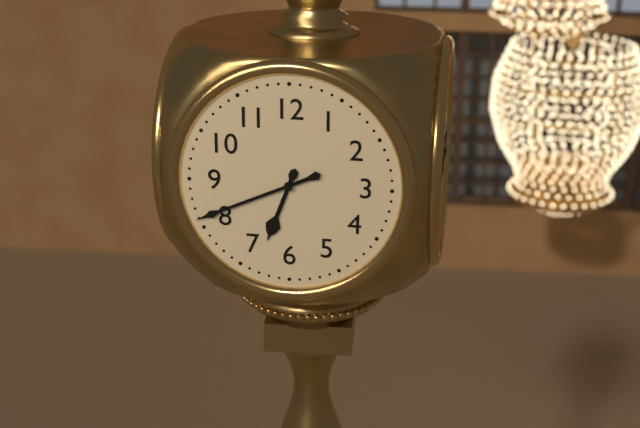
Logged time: 6 h 41 min
